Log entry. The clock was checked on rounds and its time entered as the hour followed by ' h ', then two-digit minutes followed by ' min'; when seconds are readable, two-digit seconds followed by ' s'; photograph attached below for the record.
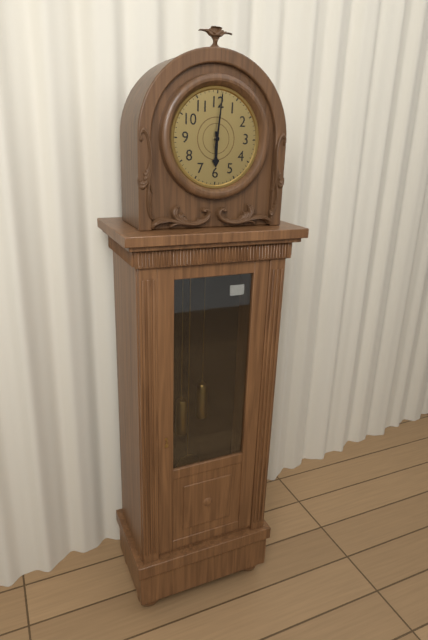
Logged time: 6 h 01 min
